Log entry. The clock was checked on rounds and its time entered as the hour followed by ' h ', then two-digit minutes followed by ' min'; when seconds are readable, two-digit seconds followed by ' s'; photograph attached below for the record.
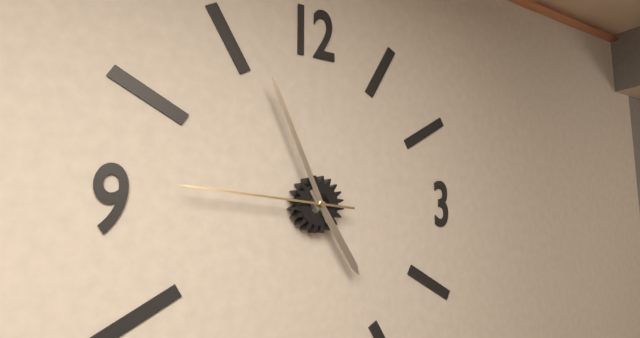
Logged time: 4 h 56 min 46 s
